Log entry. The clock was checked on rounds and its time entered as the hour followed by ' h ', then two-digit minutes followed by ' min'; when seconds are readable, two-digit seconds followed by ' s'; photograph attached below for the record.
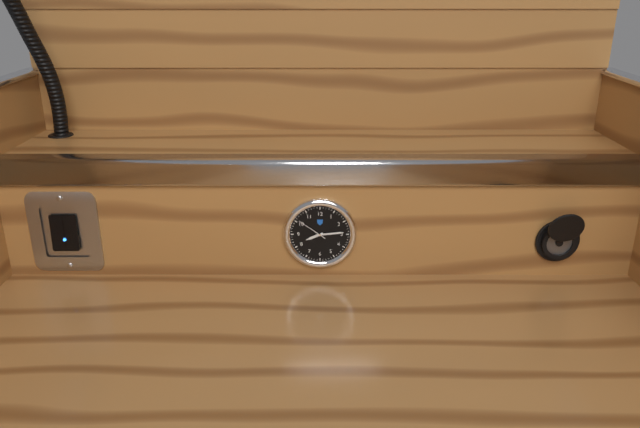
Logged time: 8 h 14 min
